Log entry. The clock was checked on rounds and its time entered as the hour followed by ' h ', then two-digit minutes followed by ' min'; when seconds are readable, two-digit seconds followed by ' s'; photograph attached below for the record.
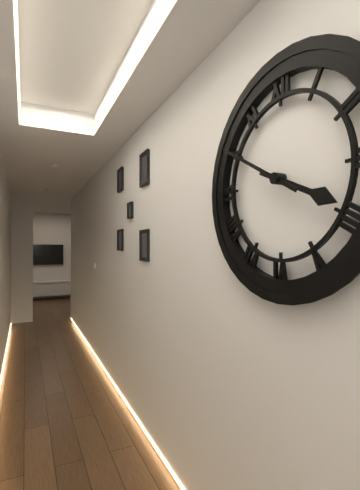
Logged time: 3 h 50 min
